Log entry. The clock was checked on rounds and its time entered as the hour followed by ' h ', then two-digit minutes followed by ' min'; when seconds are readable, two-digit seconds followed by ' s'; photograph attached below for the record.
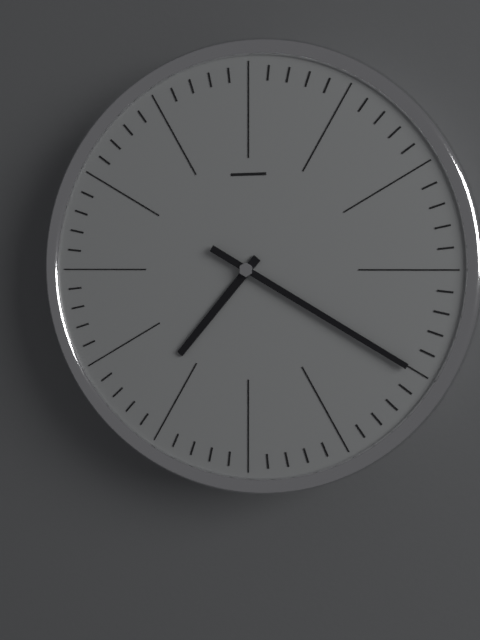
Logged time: 7 h 20 min
